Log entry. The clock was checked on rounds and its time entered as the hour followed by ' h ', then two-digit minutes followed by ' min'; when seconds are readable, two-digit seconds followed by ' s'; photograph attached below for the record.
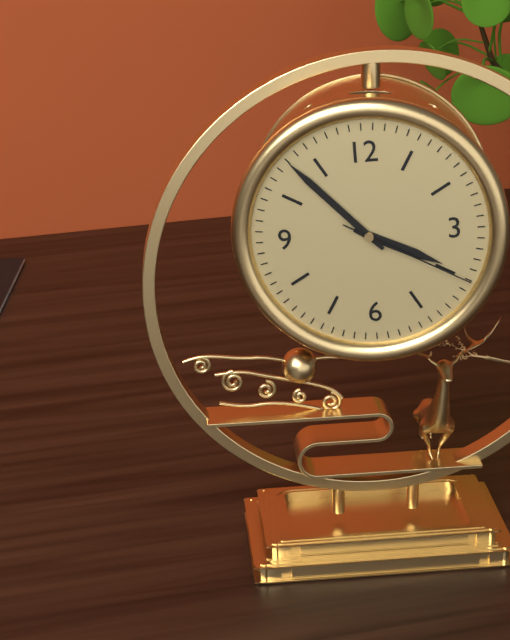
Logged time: 3 h 53 min 20 s
